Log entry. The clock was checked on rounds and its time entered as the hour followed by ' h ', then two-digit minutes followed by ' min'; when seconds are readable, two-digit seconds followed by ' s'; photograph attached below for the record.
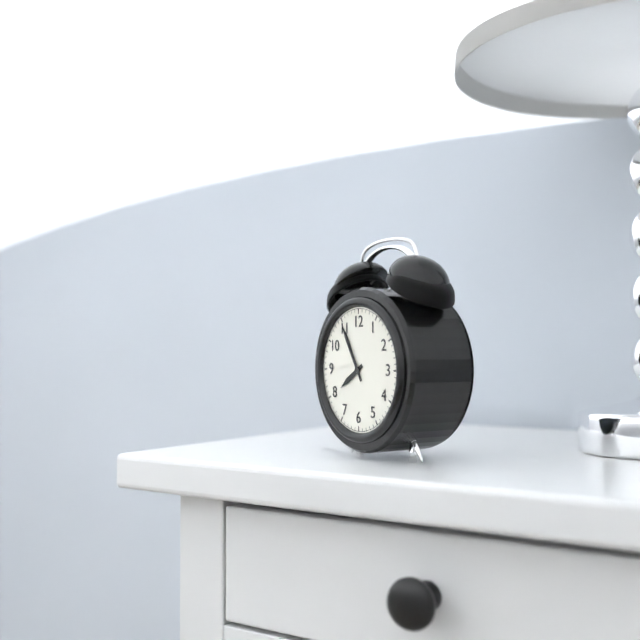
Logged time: 7 h 55 min
